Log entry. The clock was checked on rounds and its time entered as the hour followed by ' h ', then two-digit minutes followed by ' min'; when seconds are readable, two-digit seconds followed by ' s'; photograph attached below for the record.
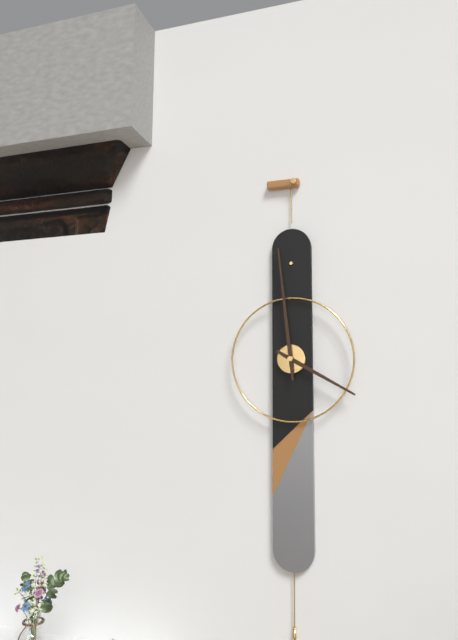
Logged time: 3 h 59 min
